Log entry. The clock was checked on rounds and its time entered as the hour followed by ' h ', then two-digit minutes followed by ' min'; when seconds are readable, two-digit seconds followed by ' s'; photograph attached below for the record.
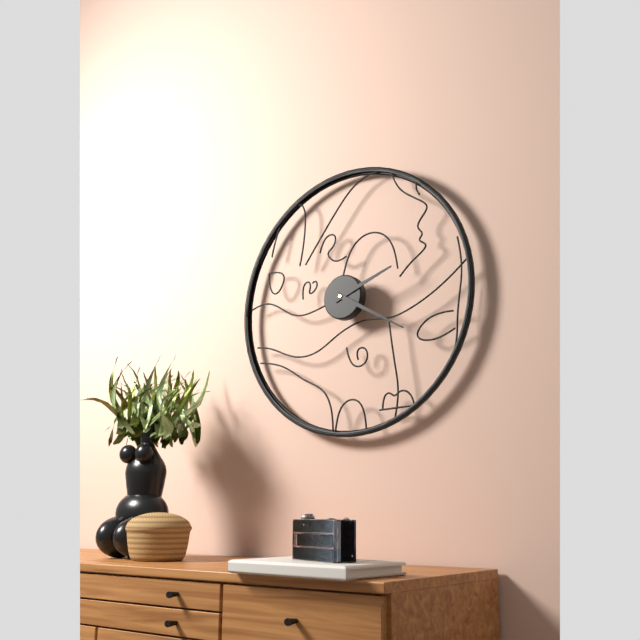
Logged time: 2 h 20 min
